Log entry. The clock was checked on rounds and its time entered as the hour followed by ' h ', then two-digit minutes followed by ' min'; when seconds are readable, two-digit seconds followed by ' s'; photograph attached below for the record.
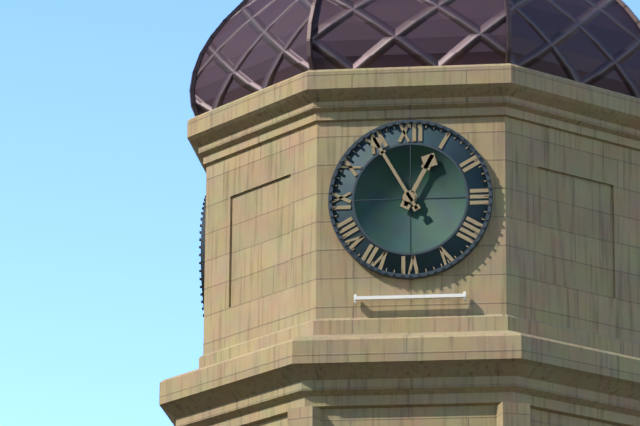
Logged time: 12 h 55 min
